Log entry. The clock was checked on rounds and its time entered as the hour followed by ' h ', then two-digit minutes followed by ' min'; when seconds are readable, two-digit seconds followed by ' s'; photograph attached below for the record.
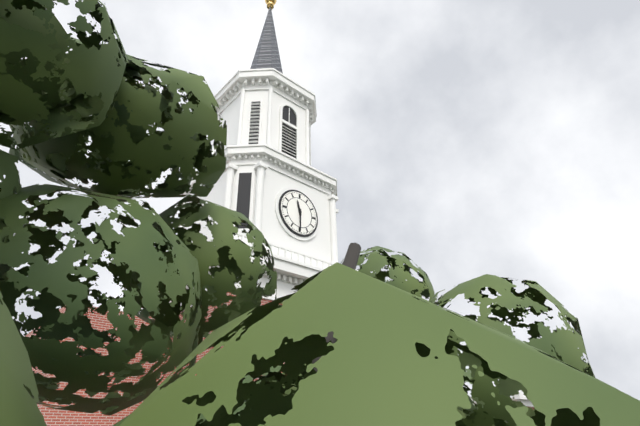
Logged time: 11 h 30 min
